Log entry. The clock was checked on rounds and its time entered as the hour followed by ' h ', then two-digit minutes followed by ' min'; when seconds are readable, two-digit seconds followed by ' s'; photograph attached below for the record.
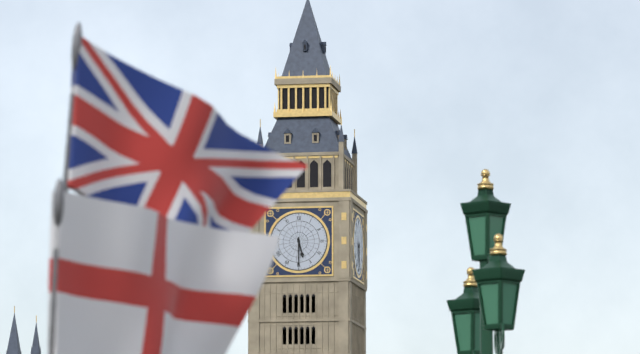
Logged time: 5 h 30 min
